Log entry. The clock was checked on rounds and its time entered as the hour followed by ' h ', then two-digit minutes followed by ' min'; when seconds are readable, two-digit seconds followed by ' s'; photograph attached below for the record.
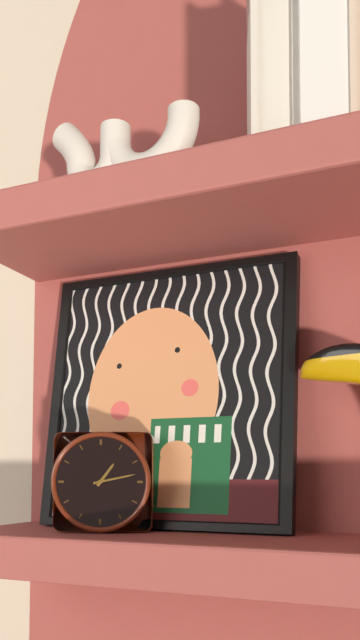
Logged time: 1 h 13 min
